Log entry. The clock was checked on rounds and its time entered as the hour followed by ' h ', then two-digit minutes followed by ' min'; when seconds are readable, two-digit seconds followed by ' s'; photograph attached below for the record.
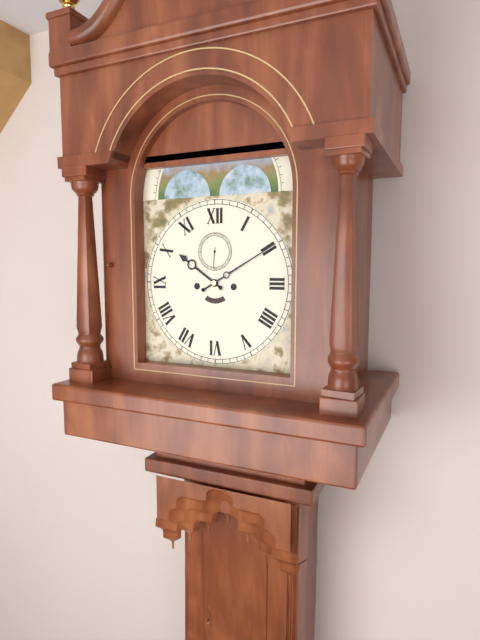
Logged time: 10 h 10 min
